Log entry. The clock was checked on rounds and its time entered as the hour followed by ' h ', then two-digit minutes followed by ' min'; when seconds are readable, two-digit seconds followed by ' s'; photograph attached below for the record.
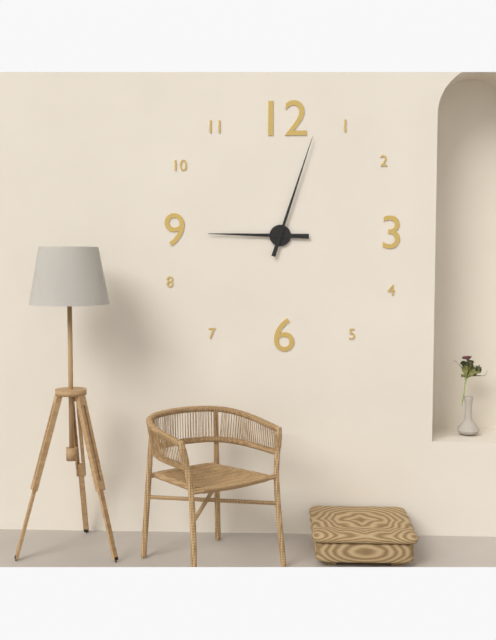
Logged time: 9 h 03 min
